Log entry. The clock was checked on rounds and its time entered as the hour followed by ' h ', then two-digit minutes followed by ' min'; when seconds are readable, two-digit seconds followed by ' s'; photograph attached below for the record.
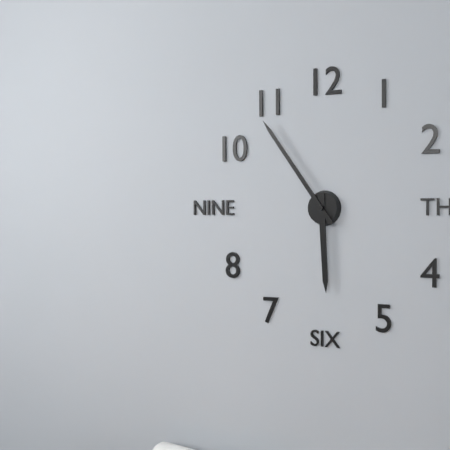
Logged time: 5 h 54 min
